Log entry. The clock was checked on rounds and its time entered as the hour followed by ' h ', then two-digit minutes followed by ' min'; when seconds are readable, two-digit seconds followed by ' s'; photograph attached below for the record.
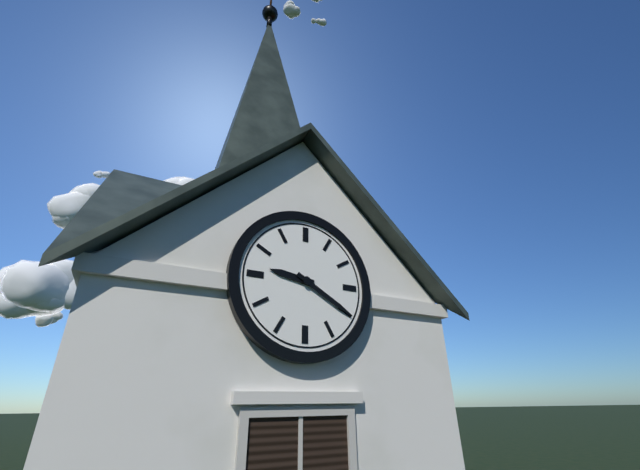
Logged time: 9 h 20 min
